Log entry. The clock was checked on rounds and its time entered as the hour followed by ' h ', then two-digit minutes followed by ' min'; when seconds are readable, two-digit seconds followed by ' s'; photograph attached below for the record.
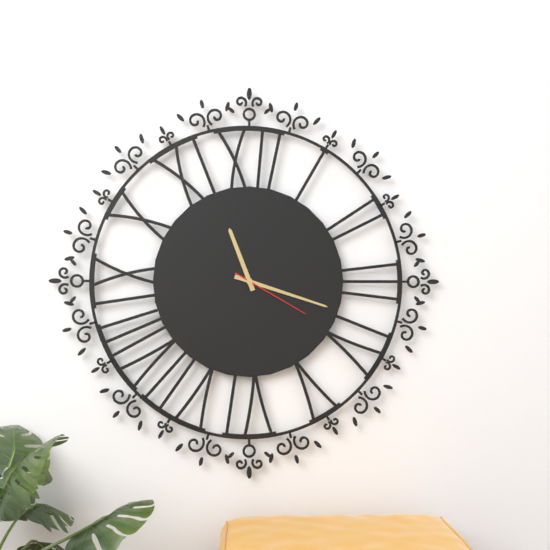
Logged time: 11 h 18 min 20 s
